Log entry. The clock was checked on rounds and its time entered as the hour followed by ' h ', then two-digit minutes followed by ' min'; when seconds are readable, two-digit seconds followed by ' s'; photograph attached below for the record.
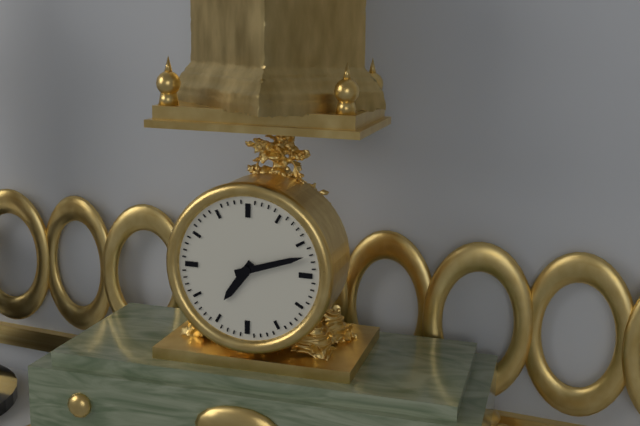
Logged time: 7 h 12 min
